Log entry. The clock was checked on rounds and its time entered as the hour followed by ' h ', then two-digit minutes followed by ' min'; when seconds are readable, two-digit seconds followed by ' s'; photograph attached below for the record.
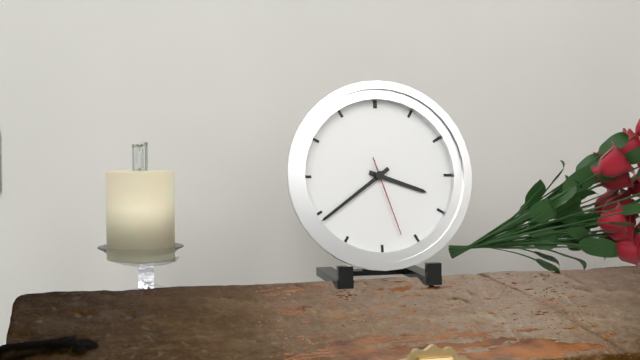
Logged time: 3 h 39 min 27 s
